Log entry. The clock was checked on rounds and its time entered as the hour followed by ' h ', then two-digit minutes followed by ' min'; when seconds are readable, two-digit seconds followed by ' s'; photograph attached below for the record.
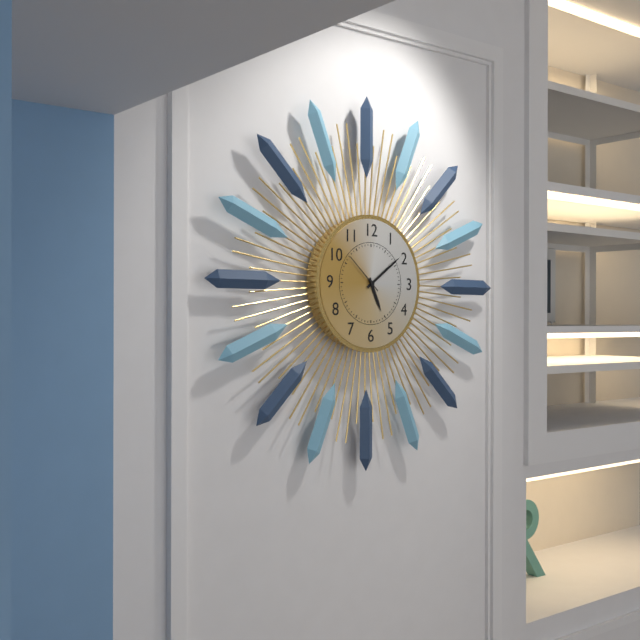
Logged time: 5 h 09 min
